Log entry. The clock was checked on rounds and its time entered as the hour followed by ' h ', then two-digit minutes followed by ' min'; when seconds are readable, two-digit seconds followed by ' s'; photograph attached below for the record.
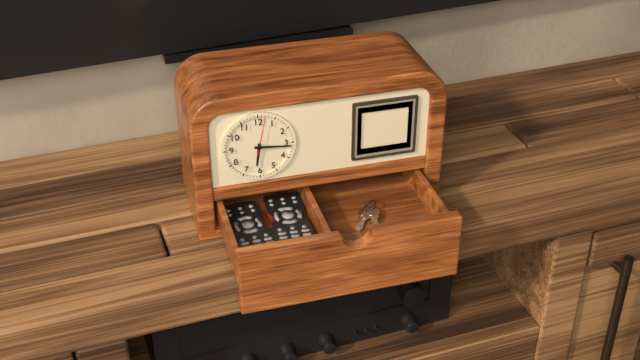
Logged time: 6 h 16 min
